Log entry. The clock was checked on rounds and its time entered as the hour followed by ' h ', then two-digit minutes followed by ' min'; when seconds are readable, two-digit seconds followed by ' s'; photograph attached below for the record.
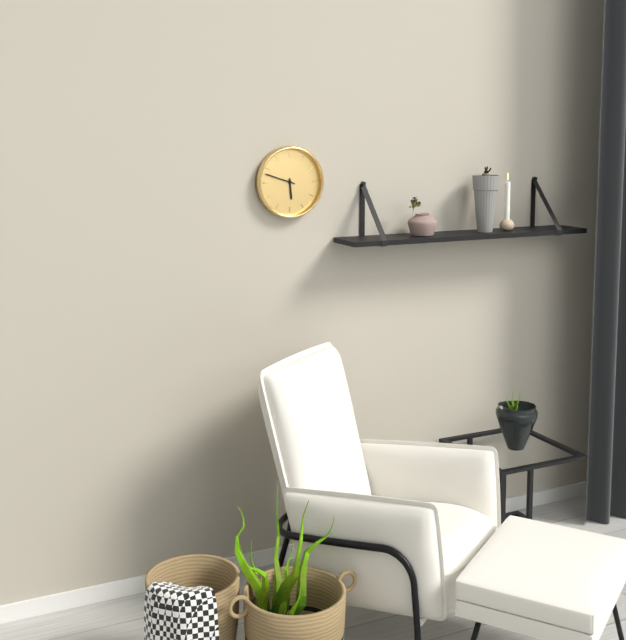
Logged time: 5 h 48 min
